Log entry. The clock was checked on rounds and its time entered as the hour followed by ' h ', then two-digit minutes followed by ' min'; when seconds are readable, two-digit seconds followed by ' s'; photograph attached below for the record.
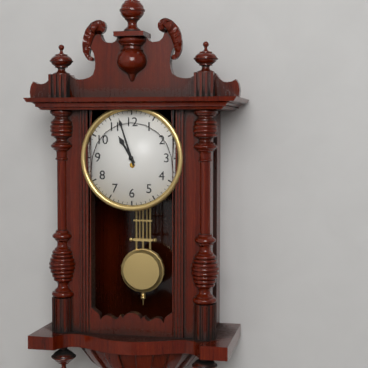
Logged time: 10 h 57 min
